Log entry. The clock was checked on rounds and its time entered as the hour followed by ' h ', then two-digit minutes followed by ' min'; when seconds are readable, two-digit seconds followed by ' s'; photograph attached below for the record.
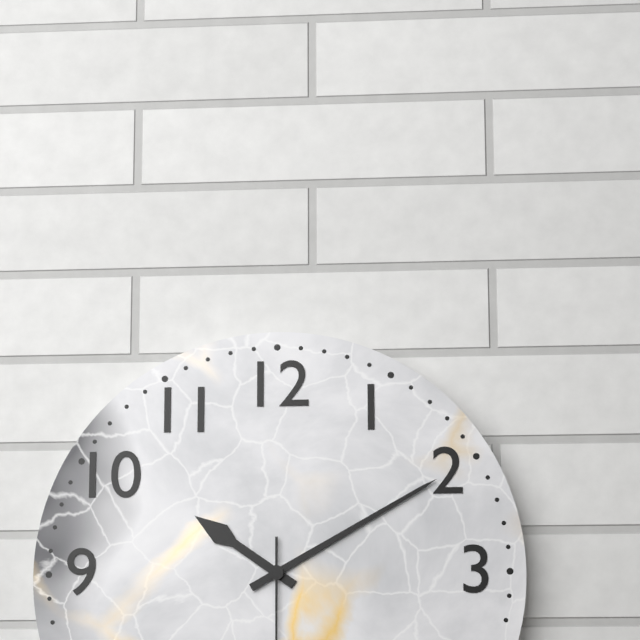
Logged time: 10 h 10 min
